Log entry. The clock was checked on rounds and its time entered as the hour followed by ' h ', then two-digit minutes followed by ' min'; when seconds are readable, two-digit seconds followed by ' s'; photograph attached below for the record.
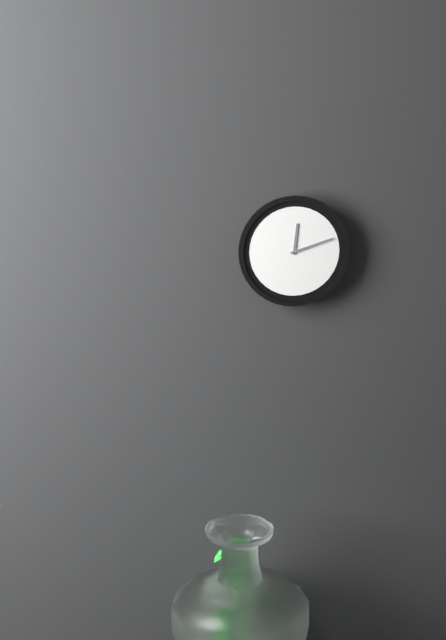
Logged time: 12 h 12 min
